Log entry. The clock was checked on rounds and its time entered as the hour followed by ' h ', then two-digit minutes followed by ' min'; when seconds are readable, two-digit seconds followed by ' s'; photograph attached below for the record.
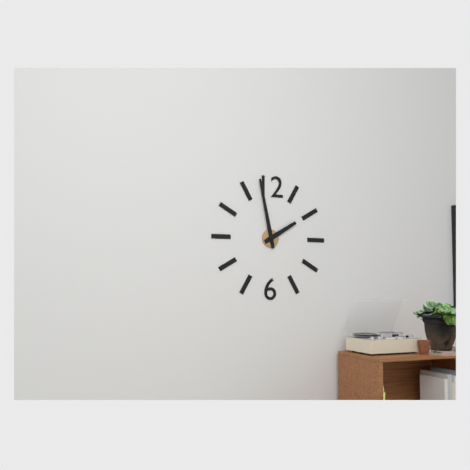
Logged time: 1 h 58 min
